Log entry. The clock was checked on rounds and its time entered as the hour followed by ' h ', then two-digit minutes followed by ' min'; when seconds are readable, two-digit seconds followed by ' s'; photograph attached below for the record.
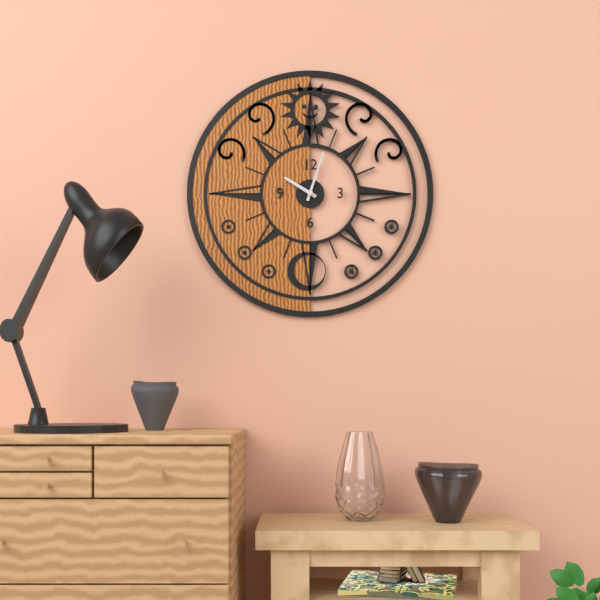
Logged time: 10 h 03 min
